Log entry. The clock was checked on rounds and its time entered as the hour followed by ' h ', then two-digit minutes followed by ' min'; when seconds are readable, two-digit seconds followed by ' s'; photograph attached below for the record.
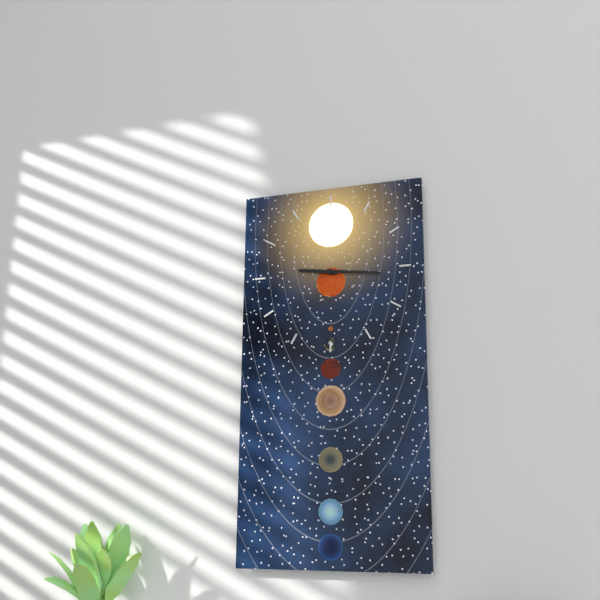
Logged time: 9 h 16 min
